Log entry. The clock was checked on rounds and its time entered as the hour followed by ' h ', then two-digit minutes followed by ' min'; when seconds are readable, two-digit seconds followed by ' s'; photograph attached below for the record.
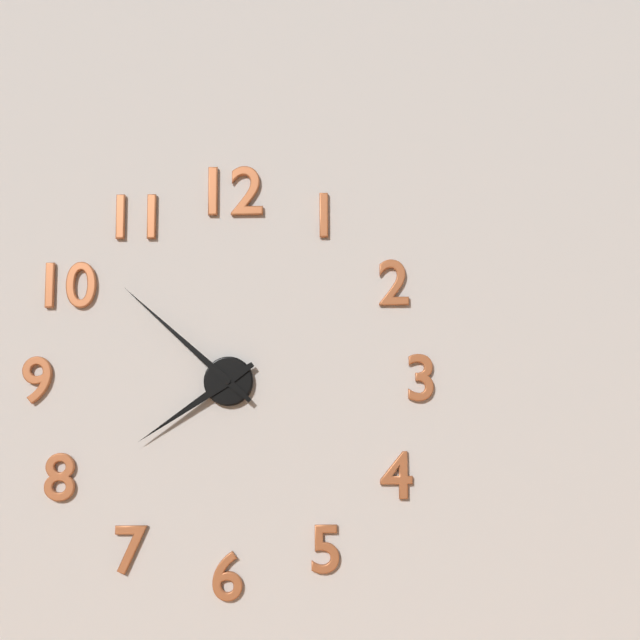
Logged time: 7 h 52 min
